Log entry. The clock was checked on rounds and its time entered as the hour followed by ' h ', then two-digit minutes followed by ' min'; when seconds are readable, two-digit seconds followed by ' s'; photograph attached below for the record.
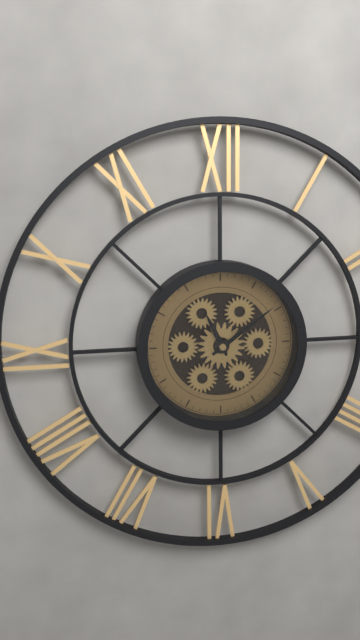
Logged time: 11 h 09 min
